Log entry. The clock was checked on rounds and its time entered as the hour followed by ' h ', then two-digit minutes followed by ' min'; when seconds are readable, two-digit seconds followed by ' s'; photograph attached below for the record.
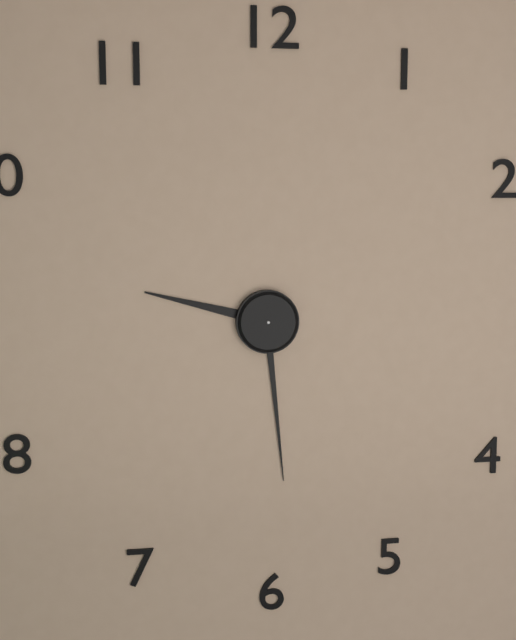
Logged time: 9 h 29 min
